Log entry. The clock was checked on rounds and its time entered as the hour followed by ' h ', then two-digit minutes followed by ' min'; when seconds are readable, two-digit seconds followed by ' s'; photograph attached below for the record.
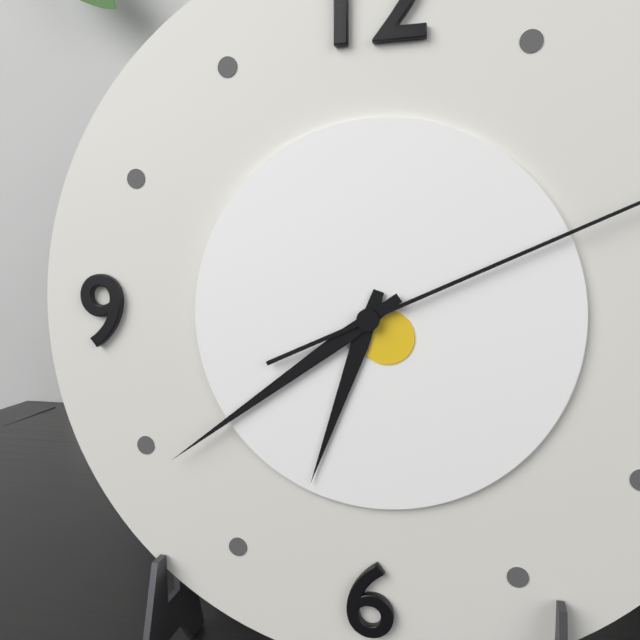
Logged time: 6 h 39 min
